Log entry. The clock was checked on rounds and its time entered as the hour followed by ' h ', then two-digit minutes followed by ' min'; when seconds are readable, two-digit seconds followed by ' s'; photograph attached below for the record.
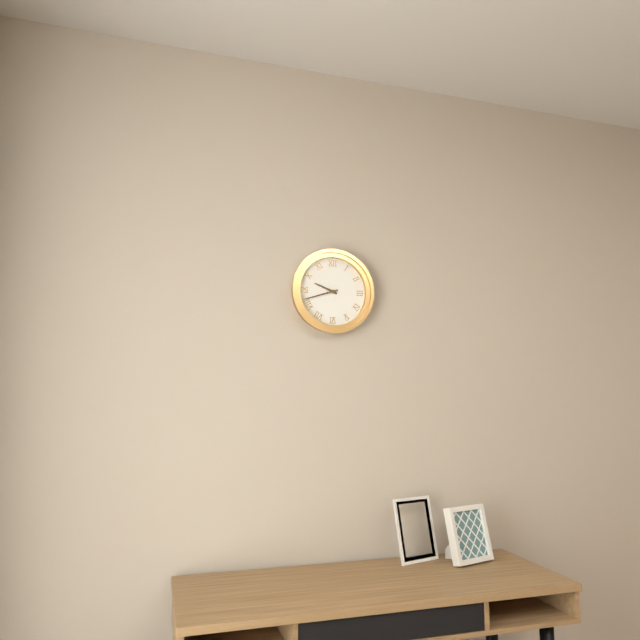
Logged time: 9 h 42 min
